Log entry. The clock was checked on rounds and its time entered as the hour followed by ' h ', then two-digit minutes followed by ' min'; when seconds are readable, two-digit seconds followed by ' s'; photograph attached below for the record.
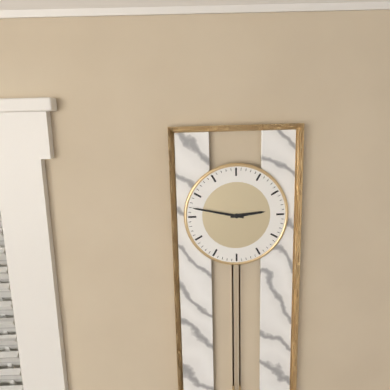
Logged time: 2 h 47 min
